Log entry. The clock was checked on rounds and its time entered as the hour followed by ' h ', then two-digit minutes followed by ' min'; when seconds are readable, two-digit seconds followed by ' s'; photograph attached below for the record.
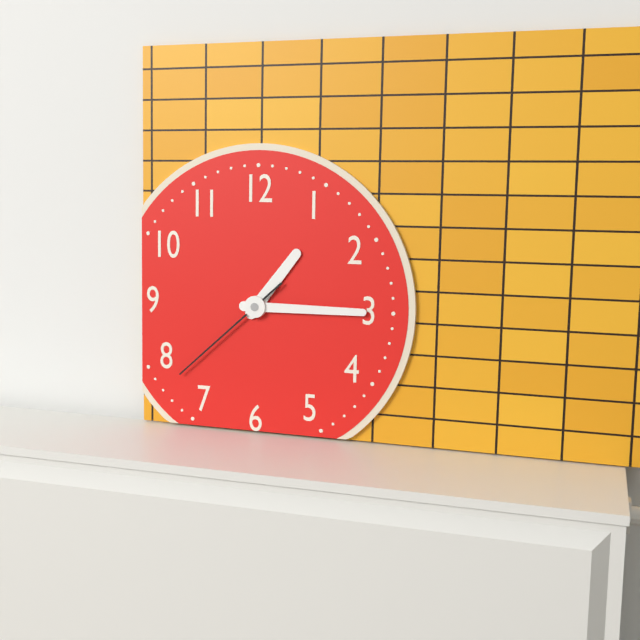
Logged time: 1 h 15 min 38 s
